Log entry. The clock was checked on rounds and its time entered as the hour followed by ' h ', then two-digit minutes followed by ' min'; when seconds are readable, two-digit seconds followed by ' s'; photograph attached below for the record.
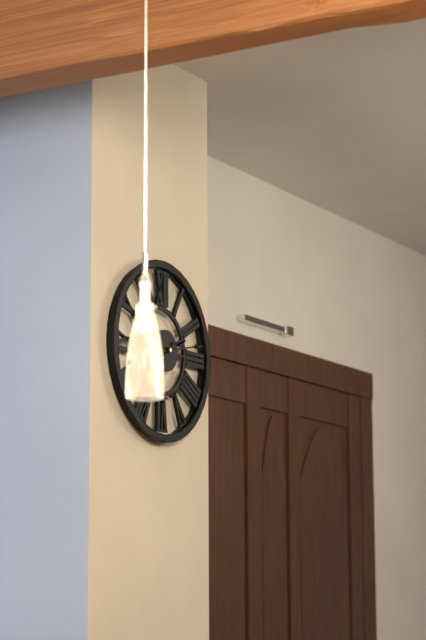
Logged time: 2 h 13 min 39 s
